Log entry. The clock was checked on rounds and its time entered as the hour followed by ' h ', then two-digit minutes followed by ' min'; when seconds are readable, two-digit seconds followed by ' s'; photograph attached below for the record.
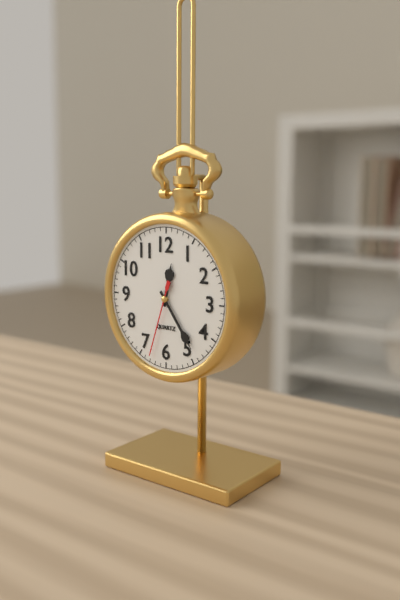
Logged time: 12 h 24 min 33 s
